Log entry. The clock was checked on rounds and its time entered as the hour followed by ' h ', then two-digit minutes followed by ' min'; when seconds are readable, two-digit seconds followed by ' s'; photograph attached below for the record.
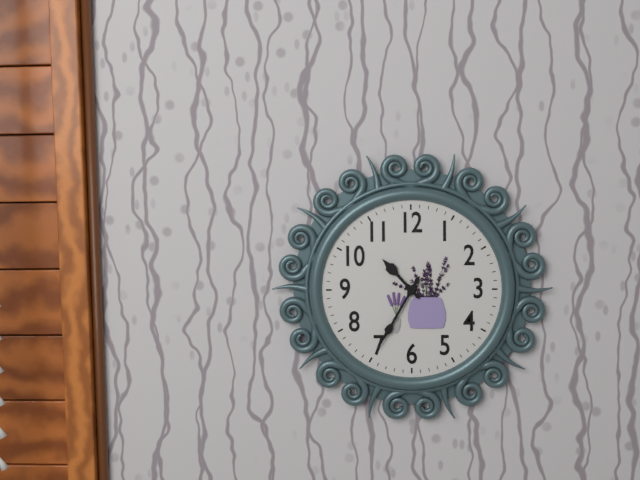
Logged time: 10 h 35 min
